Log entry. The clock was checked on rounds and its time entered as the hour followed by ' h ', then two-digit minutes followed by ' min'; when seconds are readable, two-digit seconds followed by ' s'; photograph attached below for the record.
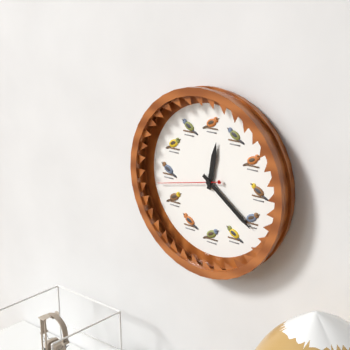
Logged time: 12 h 21 min 43 s
